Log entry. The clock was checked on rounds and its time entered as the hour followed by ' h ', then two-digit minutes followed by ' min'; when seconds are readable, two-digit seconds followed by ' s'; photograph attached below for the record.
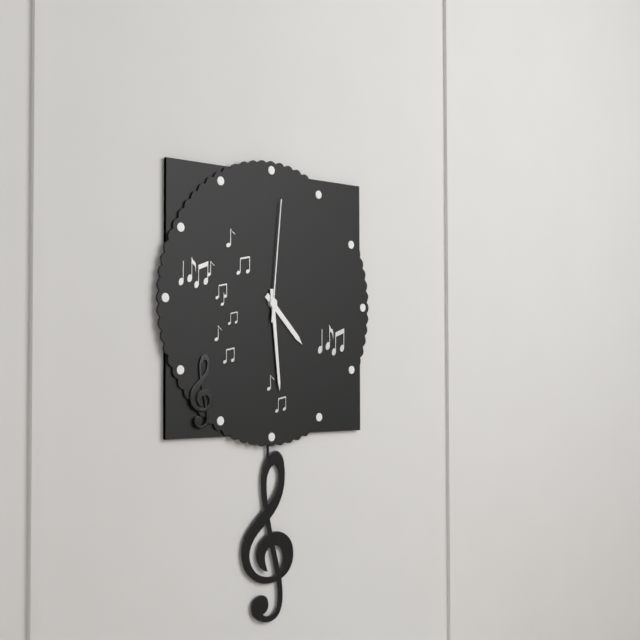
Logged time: 4 h 29 min 01 s
